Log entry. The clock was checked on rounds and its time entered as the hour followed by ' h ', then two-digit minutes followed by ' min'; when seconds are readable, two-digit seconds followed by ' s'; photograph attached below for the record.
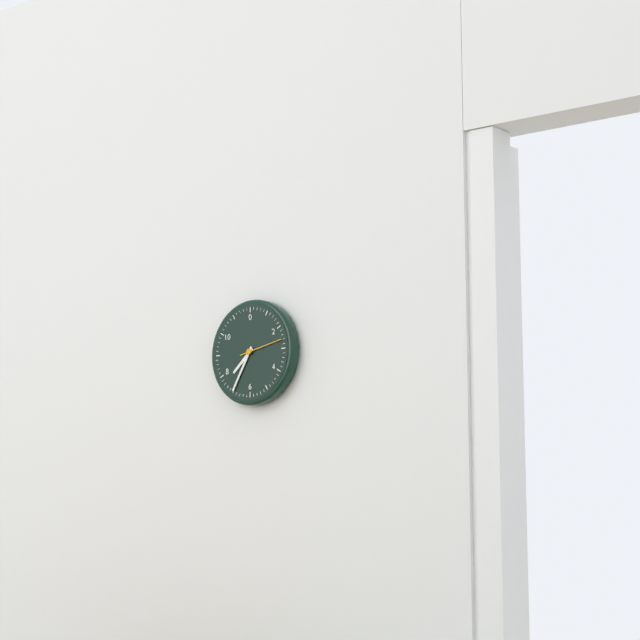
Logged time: 7 h 35 min
